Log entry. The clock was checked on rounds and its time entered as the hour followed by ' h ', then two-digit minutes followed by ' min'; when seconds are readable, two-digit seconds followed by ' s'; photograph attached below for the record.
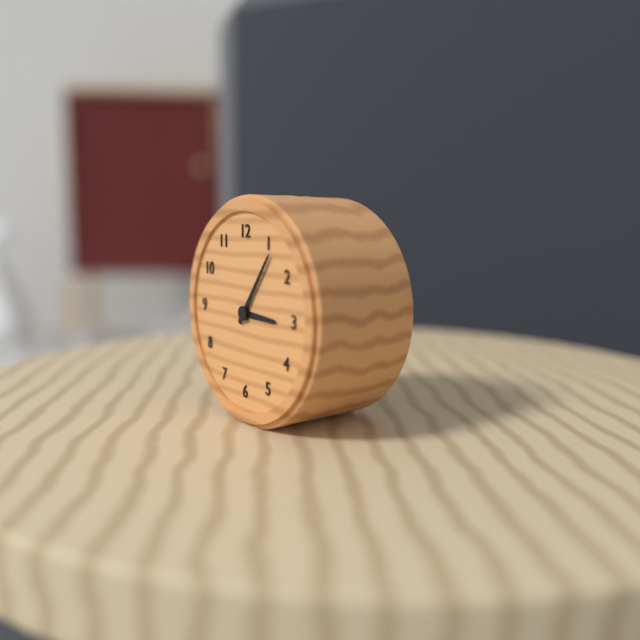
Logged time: 3 h 06 min
